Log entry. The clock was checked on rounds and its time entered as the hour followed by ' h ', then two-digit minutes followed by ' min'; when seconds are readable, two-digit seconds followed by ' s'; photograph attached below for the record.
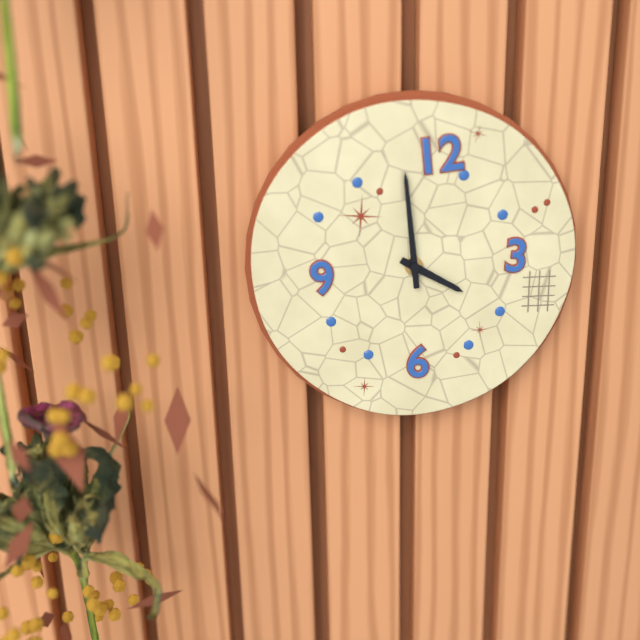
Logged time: 3 h 59 min
